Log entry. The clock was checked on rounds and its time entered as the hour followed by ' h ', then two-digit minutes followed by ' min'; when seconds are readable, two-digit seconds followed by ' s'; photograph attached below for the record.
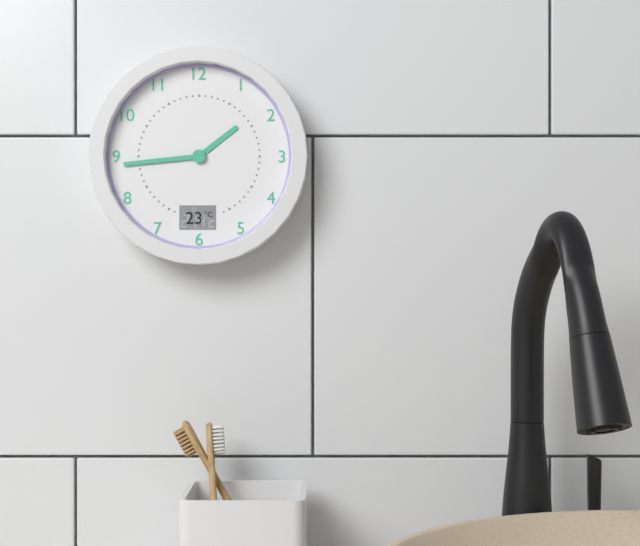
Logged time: 1 h 44 min
